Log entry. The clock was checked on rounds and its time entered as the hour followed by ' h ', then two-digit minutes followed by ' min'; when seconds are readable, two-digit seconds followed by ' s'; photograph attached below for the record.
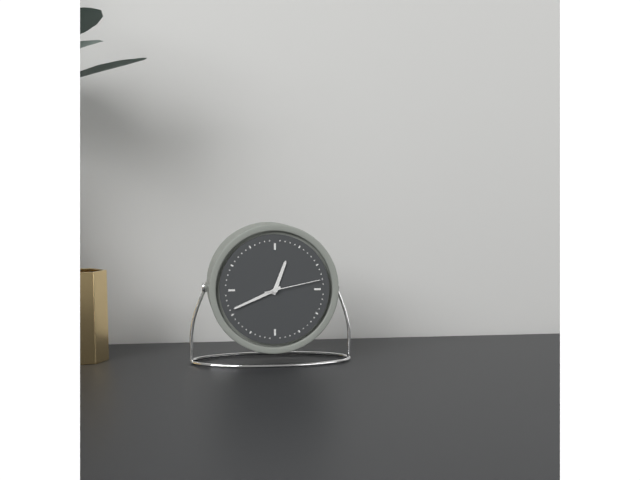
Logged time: 12 h 41 min 13 s
